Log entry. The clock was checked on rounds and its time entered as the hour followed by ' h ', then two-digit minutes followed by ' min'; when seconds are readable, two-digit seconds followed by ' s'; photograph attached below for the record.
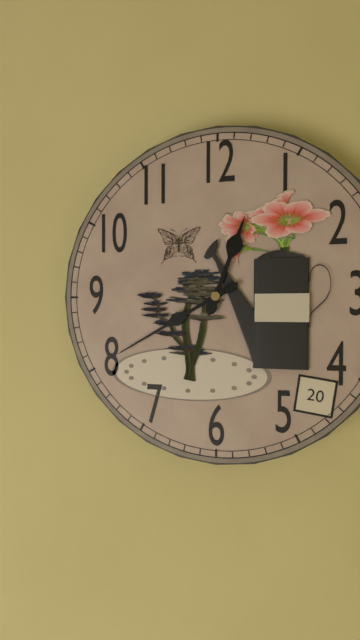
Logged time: 12 h 40 min
